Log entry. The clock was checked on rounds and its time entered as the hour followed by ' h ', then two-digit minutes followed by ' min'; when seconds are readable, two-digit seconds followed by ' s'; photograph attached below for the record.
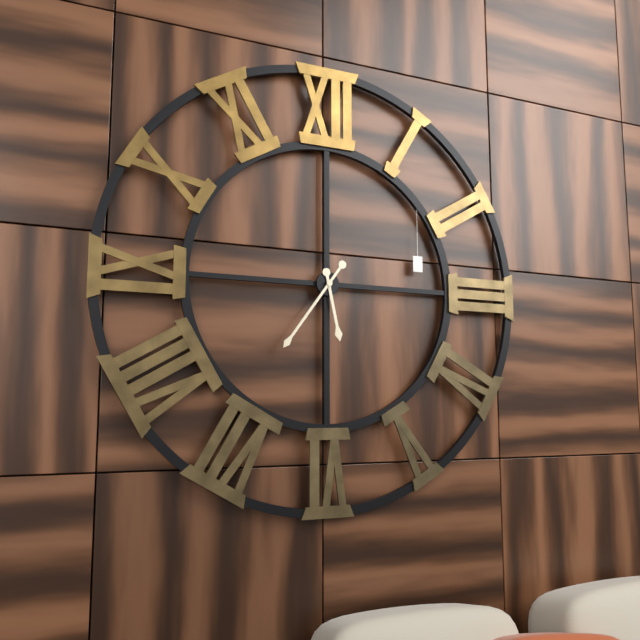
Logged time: 5 h 36 min
